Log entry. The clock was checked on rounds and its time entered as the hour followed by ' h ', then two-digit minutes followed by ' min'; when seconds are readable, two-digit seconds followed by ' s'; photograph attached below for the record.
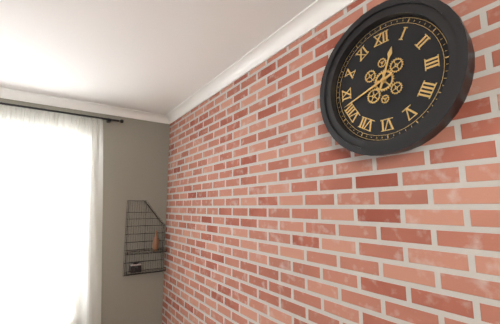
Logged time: 12 h 42 min
